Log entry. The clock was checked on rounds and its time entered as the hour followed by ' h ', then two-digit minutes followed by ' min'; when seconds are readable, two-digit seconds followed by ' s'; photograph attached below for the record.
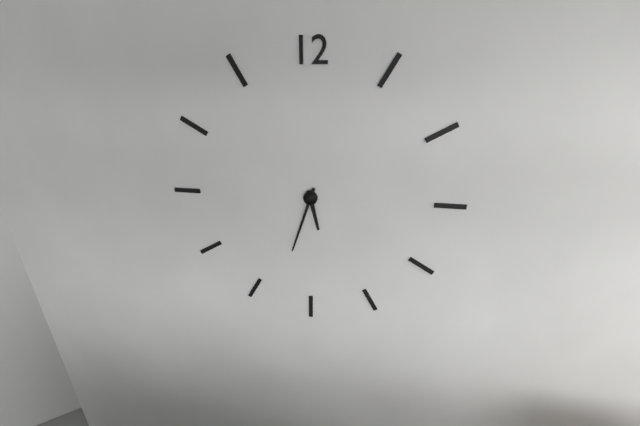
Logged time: 5 h 33 min
